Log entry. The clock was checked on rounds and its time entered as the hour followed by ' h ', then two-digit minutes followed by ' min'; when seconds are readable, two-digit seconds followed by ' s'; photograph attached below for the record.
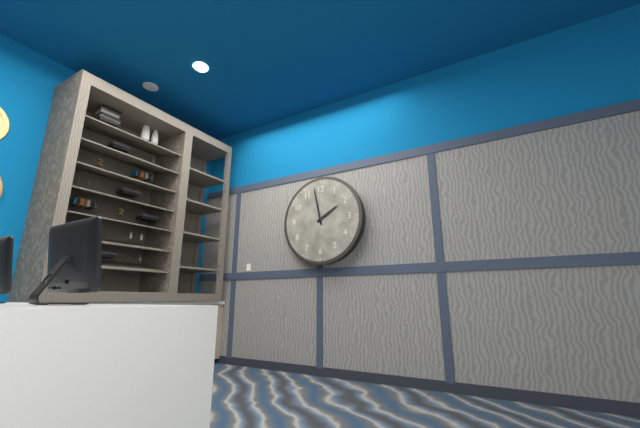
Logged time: 1 h 58 min
